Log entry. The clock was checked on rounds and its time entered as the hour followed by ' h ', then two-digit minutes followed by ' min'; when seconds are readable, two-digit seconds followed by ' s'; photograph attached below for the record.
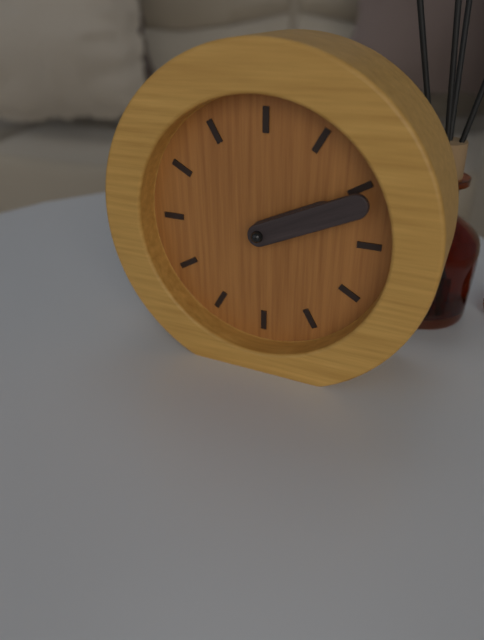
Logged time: 2 h 11 min
